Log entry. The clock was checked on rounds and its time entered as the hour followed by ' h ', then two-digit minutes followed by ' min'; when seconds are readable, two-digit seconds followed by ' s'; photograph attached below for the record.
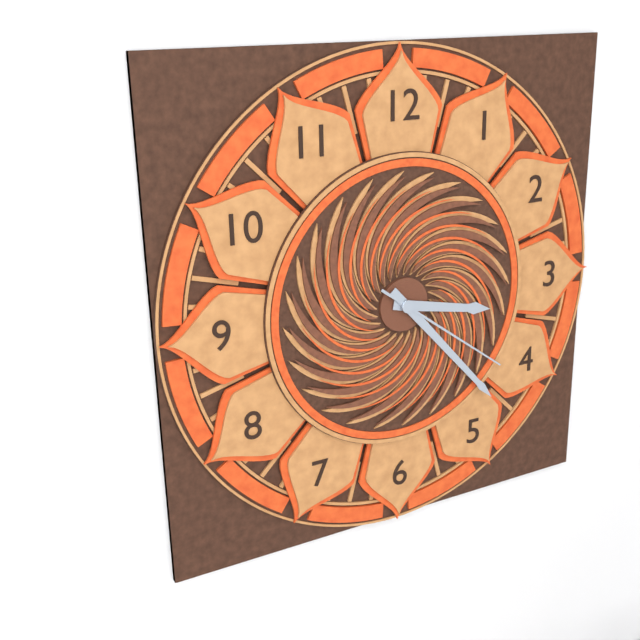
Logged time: 3 h 23 min 21 s
